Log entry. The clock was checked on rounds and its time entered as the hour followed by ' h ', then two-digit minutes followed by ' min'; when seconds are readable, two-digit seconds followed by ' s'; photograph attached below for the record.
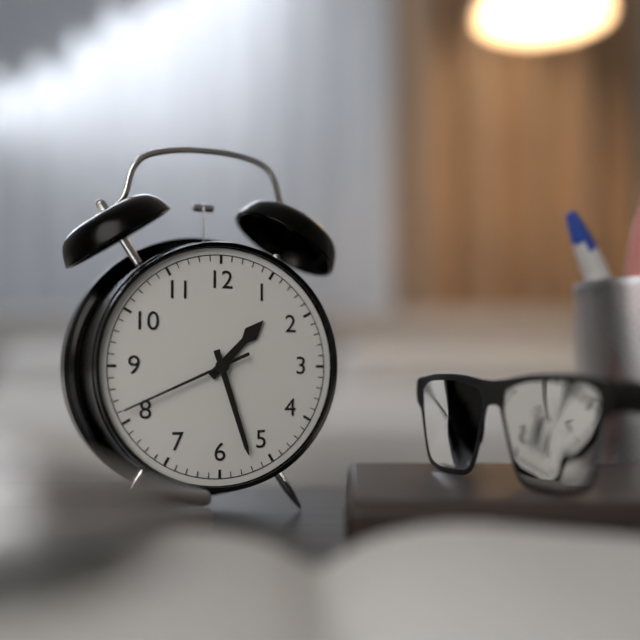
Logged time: 1 h 27 min 41 s
